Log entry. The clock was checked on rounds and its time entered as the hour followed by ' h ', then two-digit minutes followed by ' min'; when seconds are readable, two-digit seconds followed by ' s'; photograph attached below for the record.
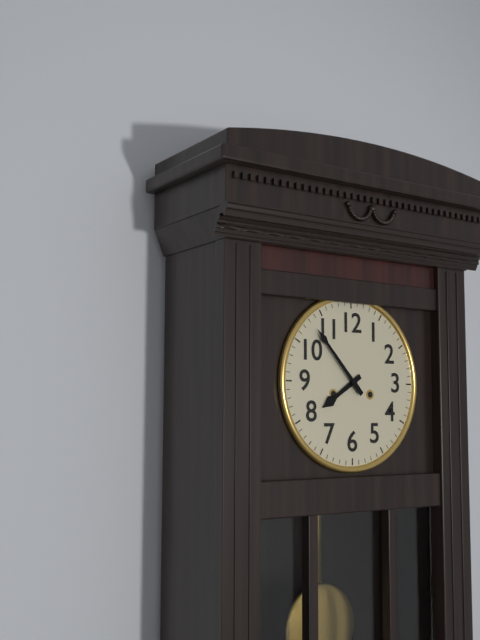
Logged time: 7 h 53 min
